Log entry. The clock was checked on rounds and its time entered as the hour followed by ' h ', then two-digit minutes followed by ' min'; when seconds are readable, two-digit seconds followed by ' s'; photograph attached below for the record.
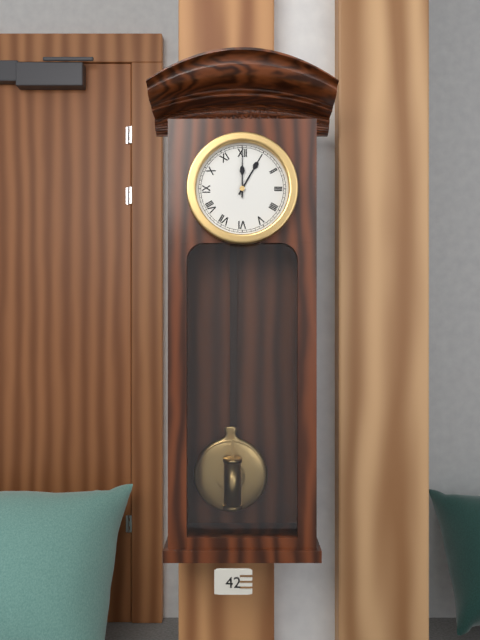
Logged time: 1 h 00 min
